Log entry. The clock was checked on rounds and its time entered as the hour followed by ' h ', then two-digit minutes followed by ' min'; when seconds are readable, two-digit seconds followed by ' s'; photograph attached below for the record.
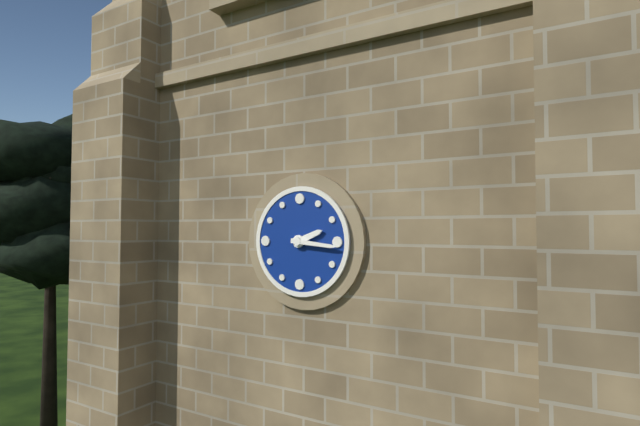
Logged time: 2 h 16 min
